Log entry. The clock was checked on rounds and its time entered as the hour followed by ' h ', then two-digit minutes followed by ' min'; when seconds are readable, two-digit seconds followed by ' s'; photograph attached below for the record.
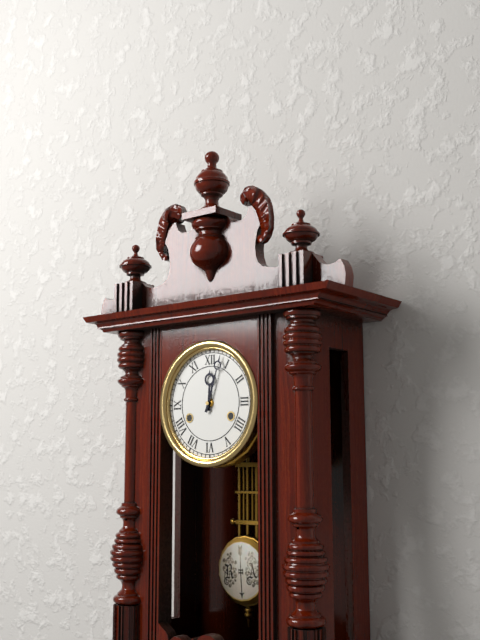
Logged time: 12 h 03 min
